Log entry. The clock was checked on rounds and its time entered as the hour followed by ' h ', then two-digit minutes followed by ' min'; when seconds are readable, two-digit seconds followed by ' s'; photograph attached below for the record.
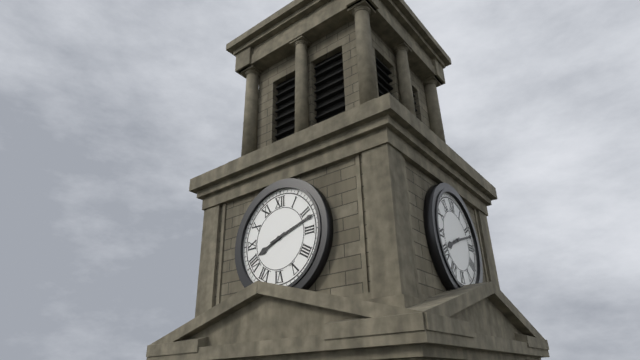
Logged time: 8 h 12 min
